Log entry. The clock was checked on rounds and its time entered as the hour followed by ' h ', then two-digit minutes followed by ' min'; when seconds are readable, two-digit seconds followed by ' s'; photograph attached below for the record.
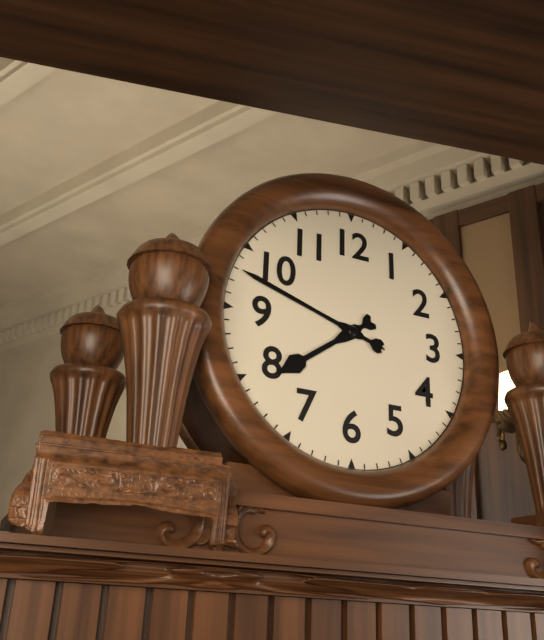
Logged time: 7 h 48 min
